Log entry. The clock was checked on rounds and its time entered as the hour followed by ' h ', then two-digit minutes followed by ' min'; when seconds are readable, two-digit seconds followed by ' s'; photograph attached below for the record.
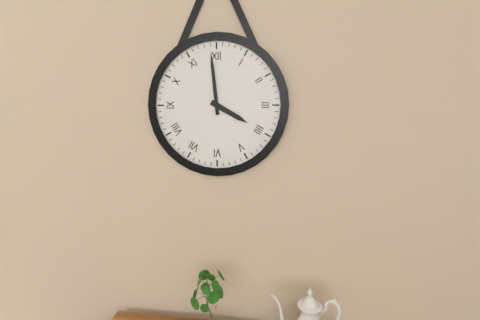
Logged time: 3 h 59 min
